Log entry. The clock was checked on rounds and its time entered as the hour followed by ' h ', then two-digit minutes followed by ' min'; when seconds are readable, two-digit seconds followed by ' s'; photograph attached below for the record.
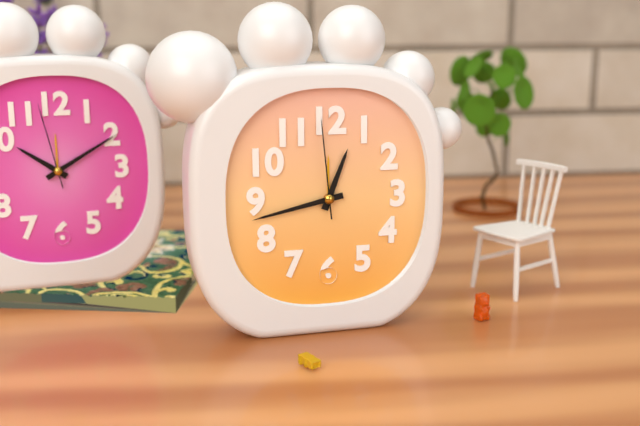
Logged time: 12 h 43 min 59 s
